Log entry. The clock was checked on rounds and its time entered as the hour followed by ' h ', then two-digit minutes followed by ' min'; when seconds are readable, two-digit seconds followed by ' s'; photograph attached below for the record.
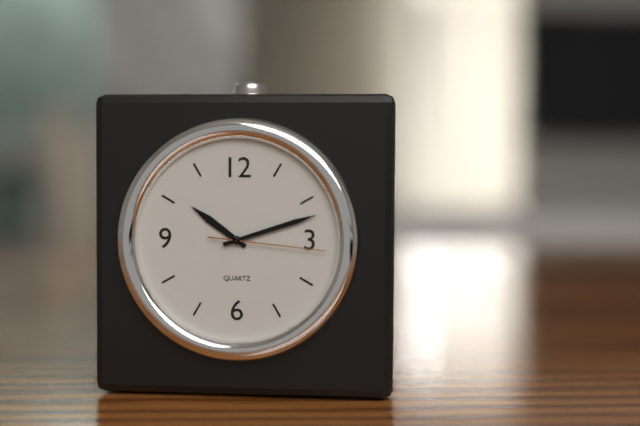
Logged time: 10 h 12 min 16 s
